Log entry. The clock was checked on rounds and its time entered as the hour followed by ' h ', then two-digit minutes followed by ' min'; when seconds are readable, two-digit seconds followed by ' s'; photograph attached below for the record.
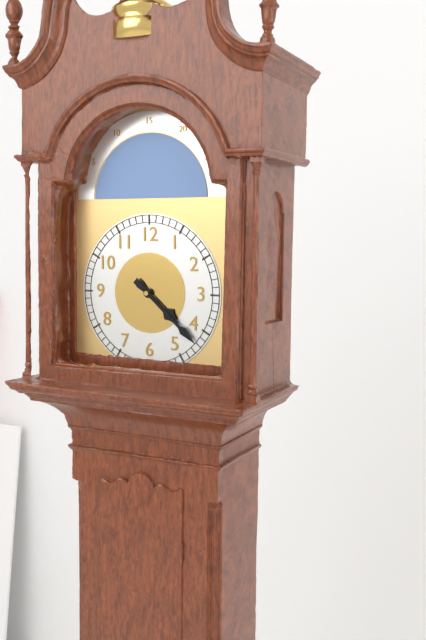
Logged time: 4 h 22 min
